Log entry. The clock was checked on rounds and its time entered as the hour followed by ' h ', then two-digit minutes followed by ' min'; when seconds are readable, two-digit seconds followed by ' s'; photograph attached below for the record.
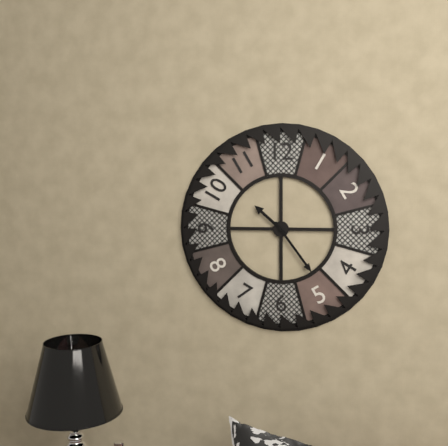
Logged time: 10 h 24 min
